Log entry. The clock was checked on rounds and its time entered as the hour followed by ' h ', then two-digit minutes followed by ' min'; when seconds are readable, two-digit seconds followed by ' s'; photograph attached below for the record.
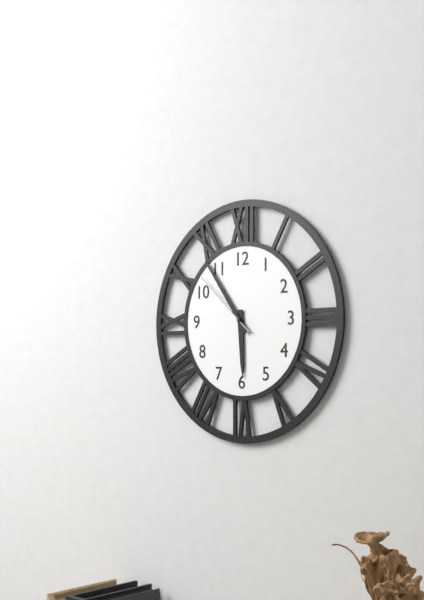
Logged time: 5 h 54 min 52 s
